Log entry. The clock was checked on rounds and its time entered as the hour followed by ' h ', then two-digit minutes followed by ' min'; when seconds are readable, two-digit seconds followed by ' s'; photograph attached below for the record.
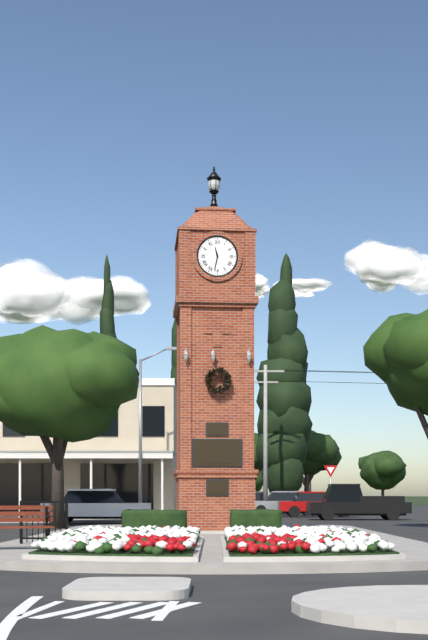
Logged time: 11 h 32 min
